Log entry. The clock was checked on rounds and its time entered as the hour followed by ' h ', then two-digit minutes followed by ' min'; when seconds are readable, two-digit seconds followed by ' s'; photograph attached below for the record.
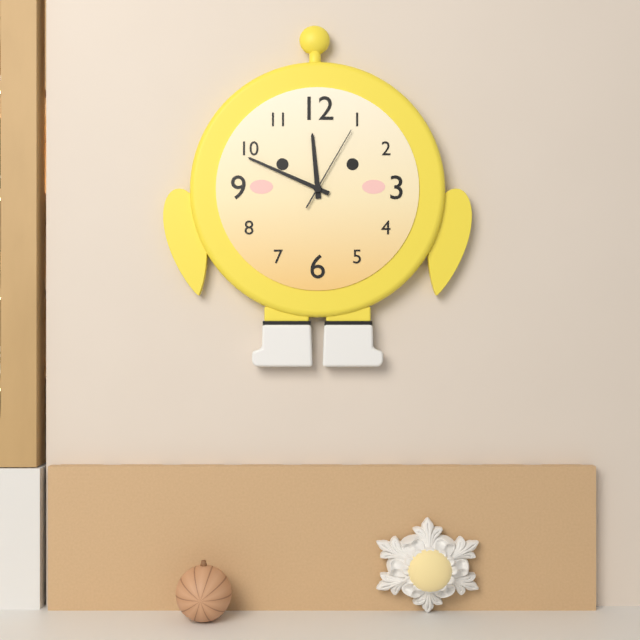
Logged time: 11 h 49 min 05 s
